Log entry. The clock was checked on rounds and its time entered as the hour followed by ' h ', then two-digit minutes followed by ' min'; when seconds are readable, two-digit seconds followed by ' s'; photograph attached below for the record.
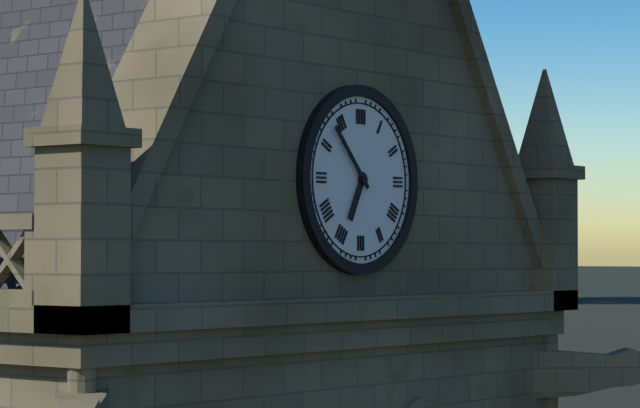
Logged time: 6 h 53 min
